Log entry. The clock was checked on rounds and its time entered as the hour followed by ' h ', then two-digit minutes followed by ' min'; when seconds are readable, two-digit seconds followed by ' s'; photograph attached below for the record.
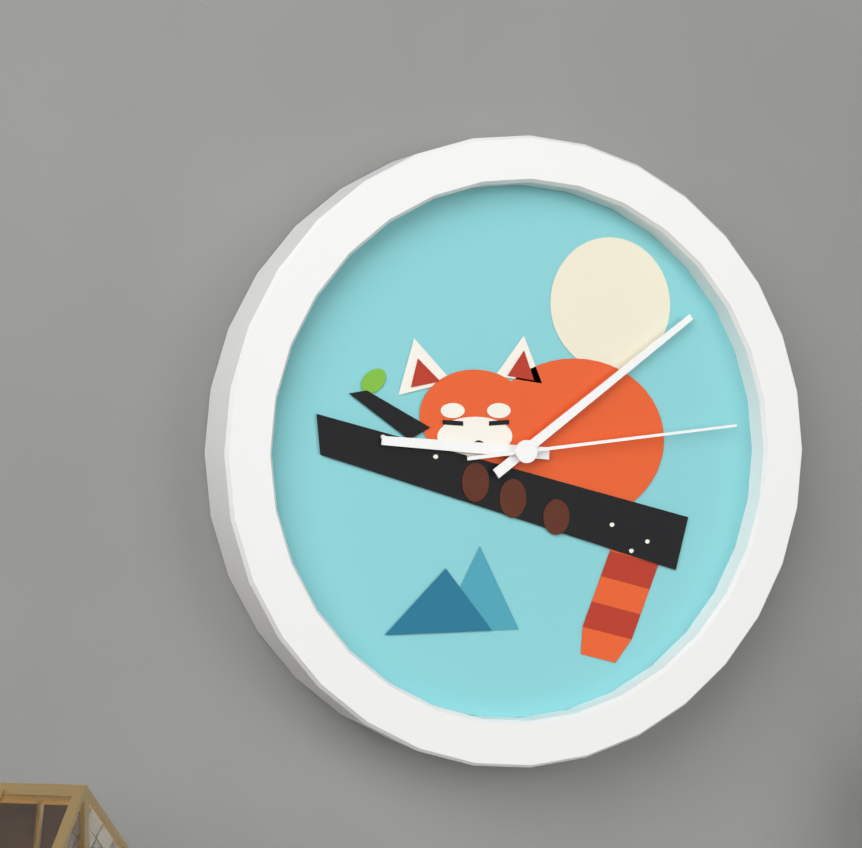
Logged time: 9 h 09 min 14 s
